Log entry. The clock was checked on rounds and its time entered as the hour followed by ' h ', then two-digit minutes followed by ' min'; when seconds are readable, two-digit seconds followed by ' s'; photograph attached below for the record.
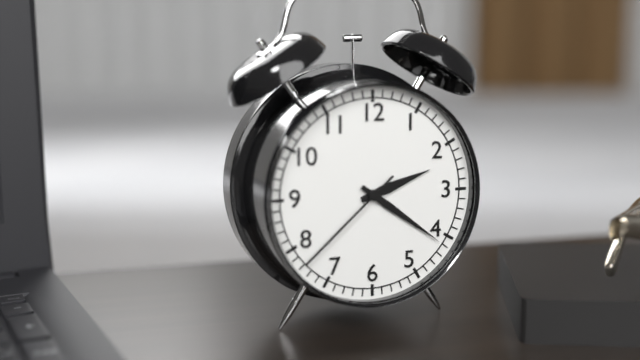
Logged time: 2 h 21 min 38 s
